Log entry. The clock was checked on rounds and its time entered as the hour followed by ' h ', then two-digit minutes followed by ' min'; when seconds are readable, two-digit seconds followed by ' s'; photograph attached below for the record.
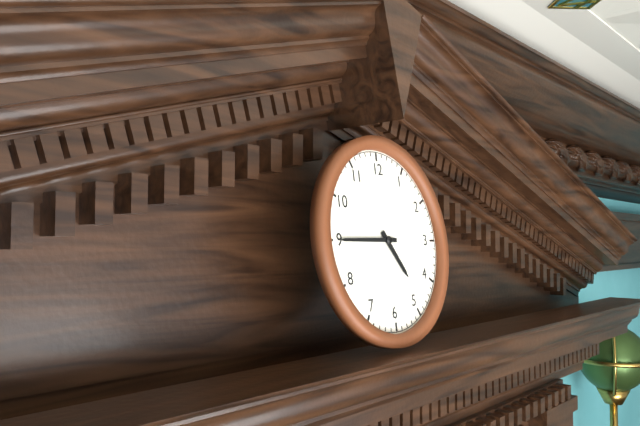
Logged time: 4 h 45 min
